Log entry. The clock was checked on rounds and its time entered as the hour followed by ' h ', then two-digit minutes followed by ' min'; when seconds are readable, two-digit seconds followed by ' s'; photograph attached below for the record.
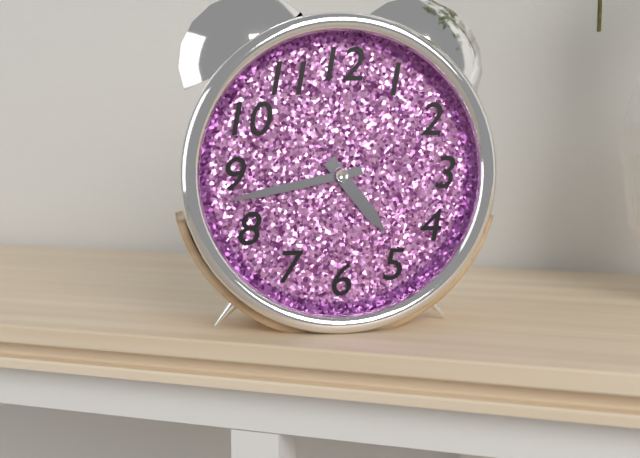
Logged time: 4 h 43 min
